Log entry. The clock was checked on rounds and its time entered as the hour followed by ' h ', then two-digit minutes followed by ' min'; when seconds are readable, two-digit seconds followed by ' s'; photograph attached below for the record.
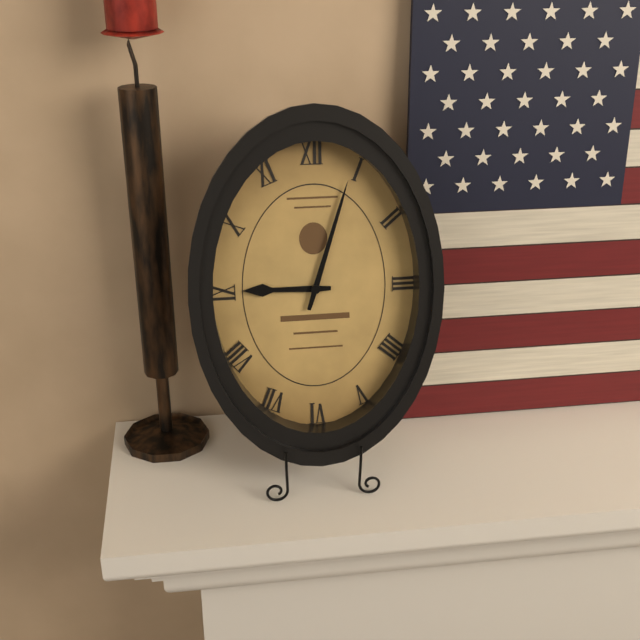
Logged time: 9 h 03 min
